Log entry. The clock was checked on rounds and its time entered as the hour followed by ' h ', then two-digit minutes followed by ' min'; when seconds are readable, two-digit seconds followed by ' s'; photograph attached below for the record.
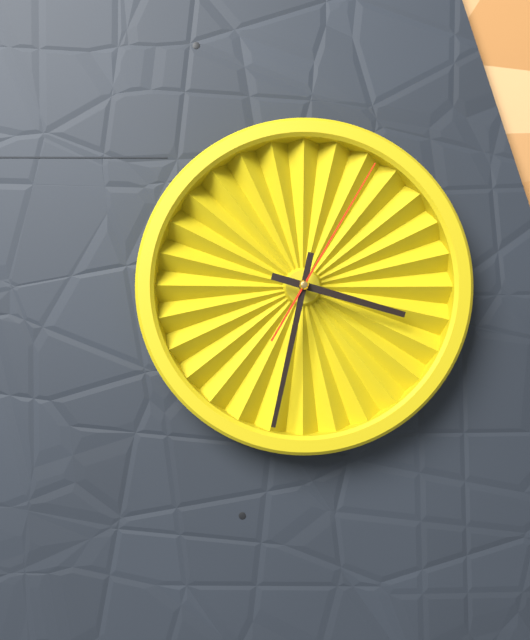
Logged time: 3 h 32 min 05 s
